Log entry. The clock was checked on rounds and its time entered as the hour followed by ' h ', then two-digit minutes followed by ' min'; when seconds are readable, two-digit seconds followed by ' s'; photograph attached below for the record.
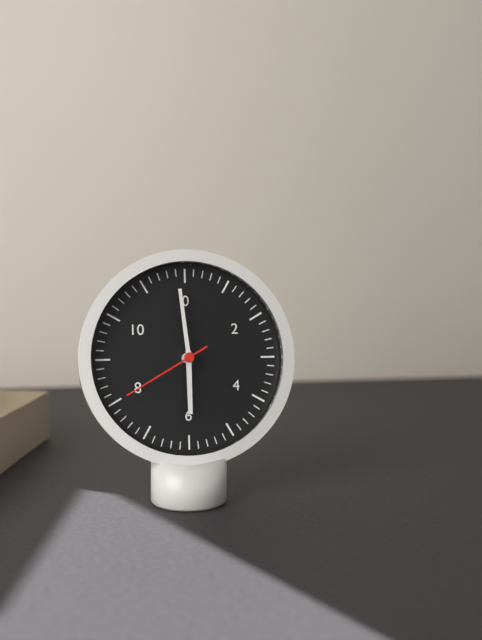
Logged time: 5 h 59 min 40 s
